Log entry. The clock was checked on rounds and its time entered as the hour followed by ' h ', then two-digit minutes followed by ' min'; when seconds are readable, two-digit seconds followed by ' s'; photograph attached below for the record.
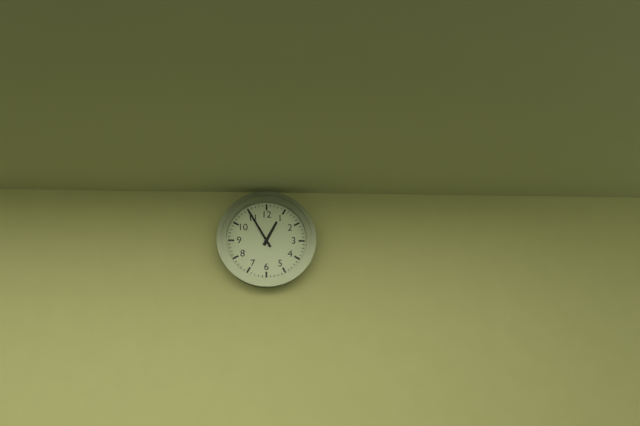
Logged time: 12 h 55 min
